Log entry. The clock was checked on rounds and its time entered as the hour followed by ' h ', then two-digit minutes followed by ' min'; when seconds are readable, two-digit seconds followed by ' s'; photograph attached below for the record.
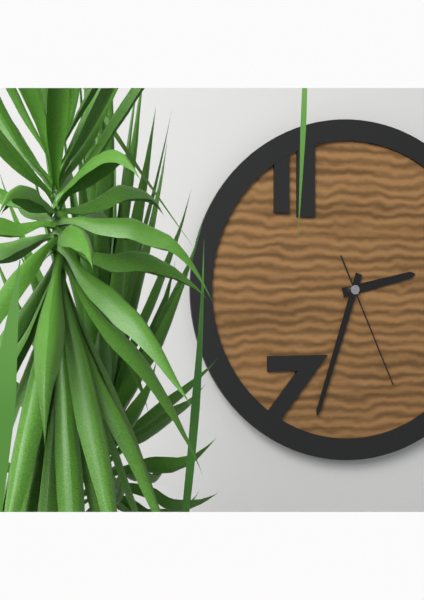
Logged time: 2 h 33 min 26 s
